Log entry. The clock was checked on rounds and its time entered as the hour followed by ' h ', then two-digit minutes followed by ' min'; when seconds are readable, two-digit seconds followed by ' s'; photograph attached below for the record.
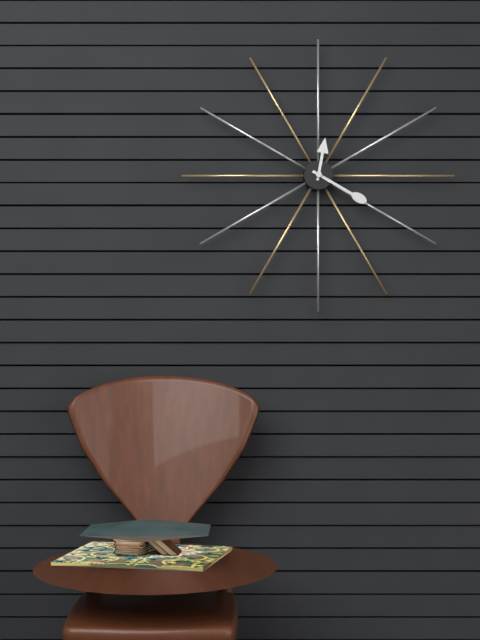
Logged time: 12 h 20 min
